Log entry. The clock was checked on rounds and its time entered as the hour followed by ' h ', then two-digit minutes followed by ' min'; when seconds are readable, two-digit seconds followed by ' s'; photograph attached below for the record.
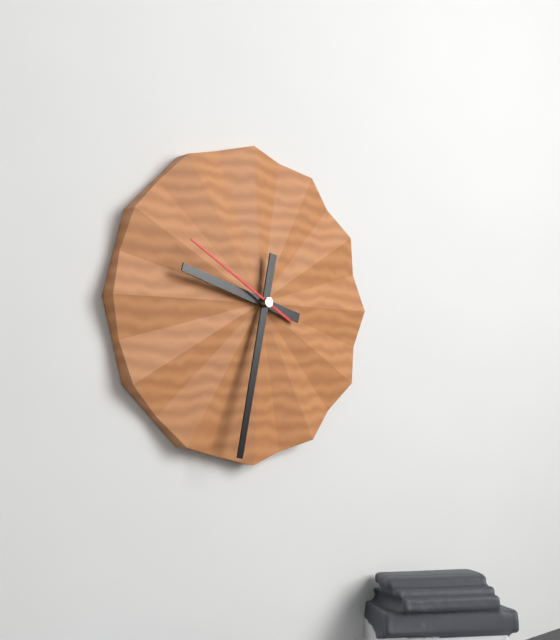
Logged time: 9 h 32 min 50 s
